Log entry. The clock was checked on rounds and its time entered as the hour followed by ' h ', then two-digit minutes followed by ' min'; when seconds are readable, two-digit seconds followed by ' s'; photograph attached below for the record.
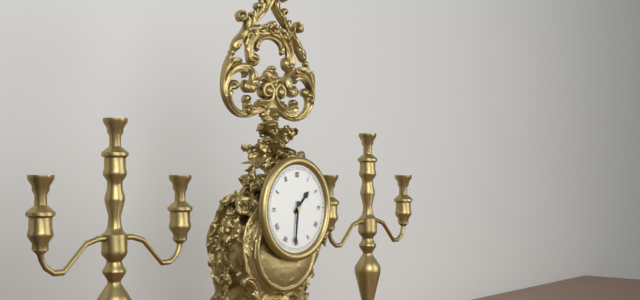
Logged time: 1 h 31 min
